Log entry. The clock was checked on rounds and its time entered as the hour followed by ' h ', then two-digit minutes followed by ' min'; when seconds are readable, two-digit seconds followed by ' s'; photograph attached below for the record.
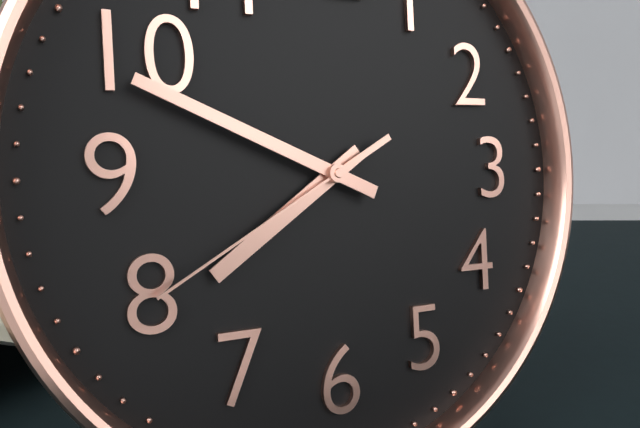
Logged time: 7 h 49 min 40 s
